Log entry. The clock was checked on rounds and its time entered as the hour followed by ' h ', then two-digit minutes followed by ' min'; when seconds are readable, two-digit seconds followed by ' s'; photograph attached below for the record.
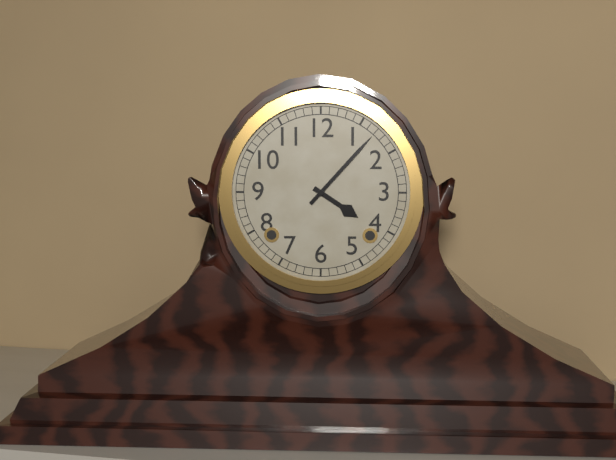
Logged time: 4 h 07 min
